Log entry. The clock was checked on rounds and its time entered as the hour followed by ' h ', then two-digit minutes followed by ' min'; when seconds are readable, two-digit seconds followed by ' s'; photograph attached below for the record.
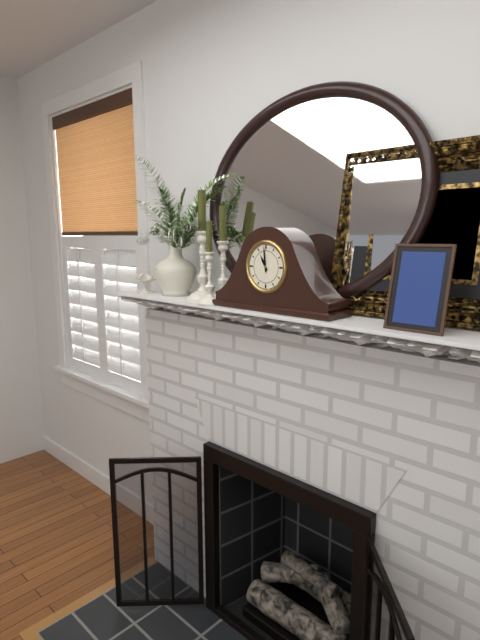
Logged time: 10 h 59 min
